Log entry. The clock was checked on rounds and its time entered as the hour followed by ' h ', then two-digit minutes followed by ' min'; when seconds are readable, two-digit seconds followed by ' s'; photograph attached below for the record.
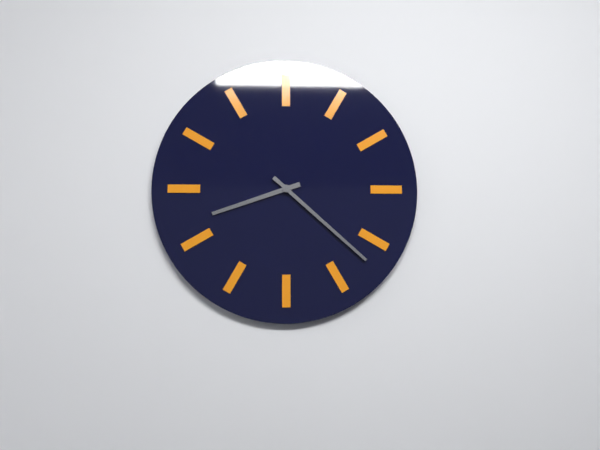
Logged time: 8 h 22 min
